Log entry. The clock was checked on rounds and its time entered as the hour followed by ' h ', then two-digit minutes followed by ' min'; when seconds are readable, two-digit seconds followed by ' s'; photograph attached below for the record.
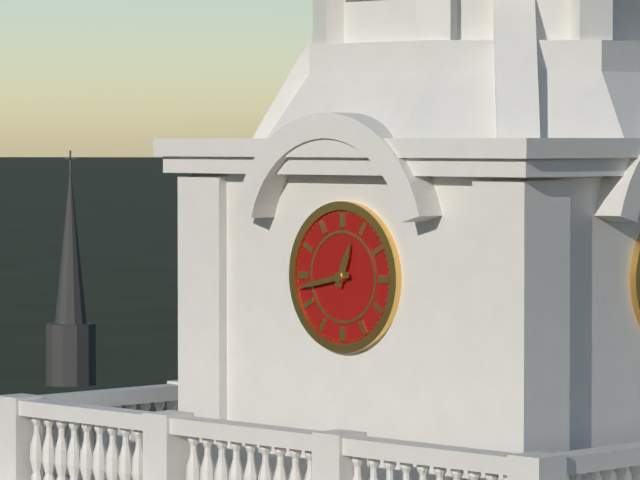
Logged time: 12 h 43 min
